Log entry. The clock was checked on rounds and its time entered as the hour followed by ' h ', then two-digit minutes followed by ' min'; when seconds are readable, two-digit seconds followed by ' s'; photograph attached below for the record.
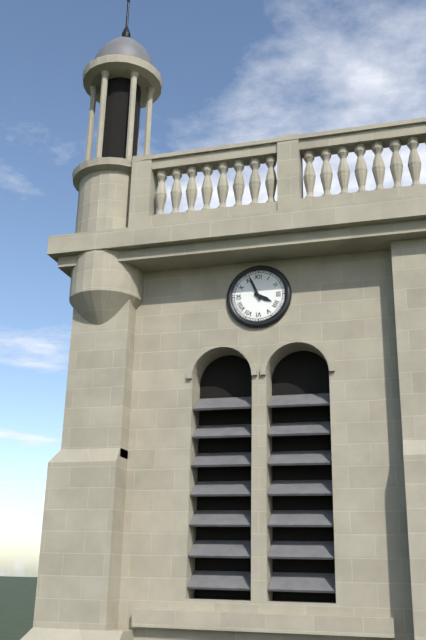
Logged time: 3 h 56 min
